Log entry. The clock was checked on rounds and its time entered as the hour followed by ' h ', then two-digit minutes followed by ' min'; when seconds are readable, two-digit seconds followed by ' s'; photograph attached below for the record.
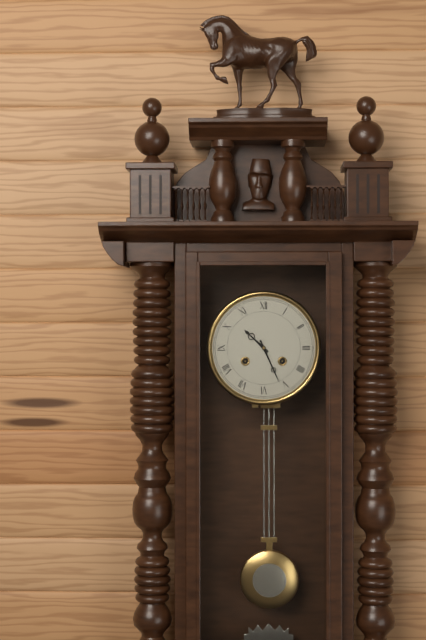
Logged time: 10 h 26 min
